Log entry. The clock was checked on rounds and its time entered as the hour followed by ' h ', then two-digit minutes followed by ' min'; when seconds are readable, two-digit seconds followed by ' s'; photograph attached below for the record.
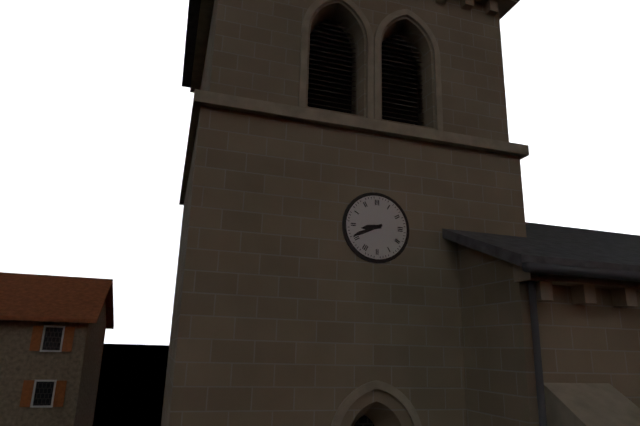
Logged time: 8 h 41 min
